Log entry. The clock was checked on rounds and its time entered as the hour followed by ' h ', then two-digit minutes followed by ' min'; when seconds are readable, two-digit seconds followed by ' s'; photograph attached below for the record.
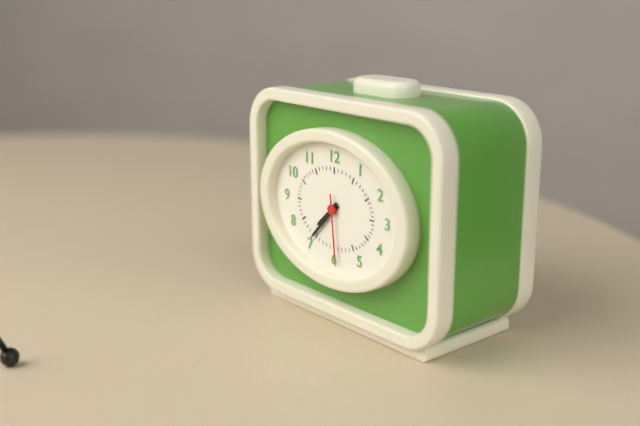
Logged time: 7 h 37 min 29 s
